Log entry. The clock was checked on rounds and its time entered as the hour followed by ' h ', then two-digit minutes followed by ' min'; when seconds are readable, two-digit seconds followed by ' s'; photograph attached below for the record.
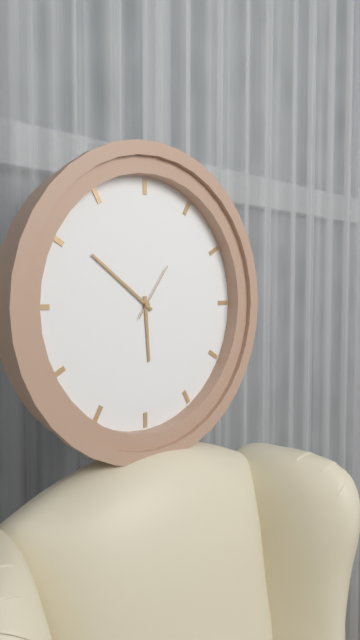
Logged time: 5 h 51 min 06 s
